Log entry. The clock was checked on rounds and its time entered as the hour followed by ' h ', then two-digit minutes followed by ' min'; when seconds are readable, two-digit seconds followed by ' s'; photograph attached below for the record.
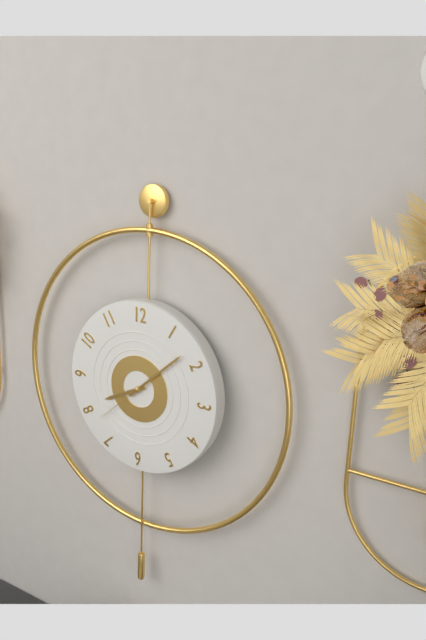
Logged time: 8 h 08 min 38 s
